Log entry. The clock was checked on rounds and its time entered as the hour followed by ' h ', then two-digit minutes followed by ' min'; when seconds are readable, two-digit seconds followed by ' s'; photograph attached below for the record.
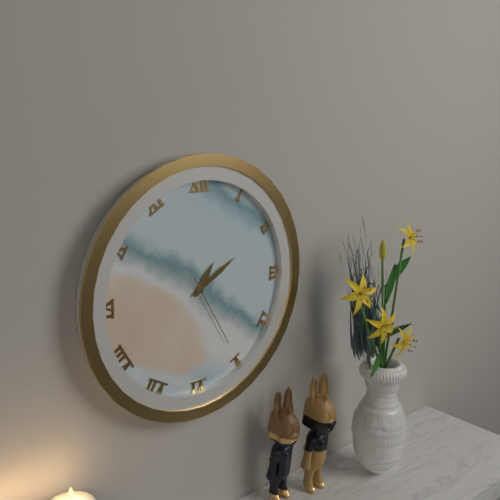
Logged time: 1 h 10 min 25 s
